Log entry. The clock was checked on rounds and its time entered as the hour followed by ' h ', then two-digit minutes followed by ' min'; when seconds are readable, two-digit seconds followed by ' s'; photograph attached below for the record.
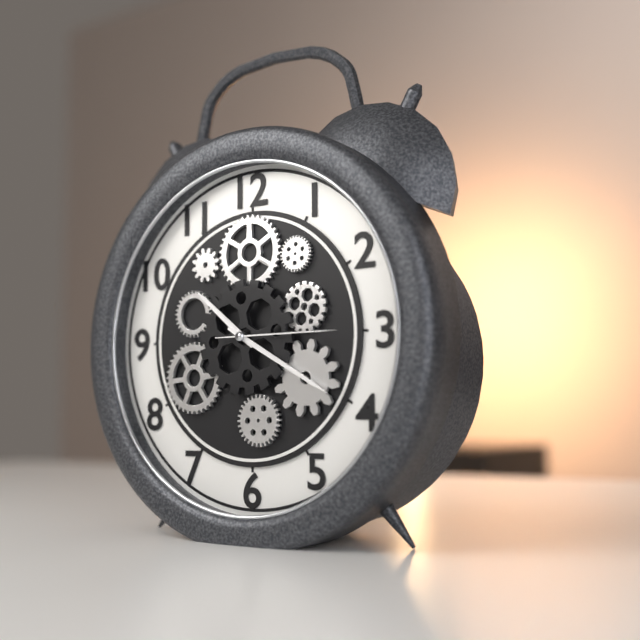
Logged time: 10 h 20 min 15 s
